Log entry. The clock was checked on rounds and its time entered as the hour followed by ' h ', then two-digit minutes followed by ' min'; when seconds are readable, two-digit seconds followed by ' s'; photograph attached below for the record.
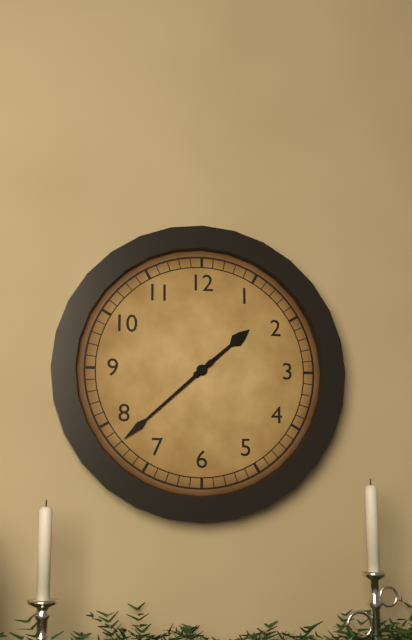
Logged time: 1 h 38 min
